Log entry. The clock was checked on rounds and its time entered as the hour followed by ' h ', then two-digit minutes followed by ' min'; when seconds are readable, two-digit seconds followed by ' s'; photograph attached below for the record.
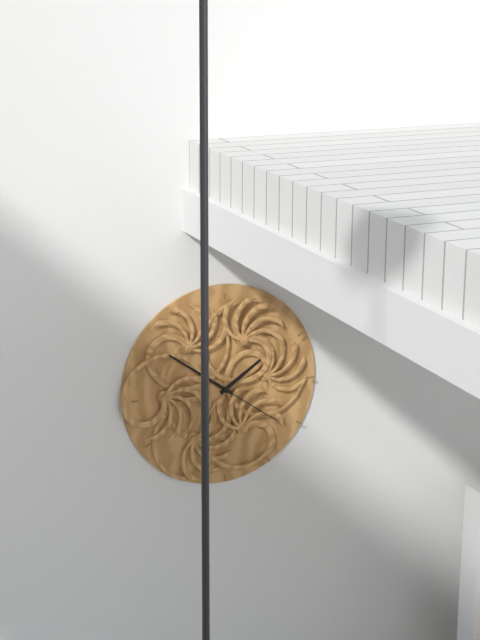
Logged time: 1 h 51 min 21 s
